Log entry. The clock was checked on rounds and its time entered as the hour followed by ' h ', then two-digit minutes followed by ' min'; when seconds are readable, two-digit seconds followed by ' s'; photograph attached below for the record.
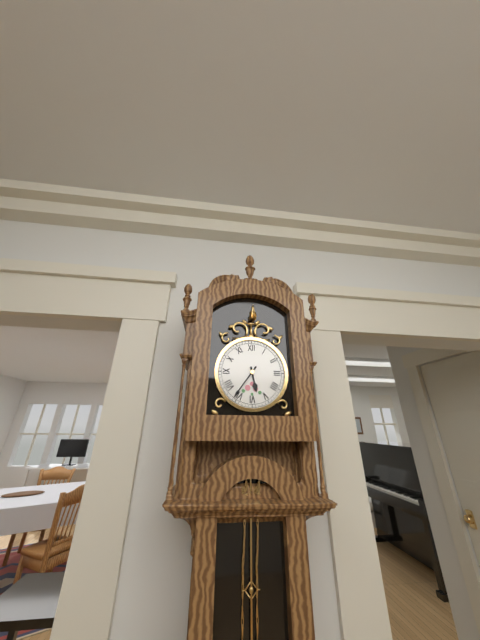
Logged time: 5 h 36 min
